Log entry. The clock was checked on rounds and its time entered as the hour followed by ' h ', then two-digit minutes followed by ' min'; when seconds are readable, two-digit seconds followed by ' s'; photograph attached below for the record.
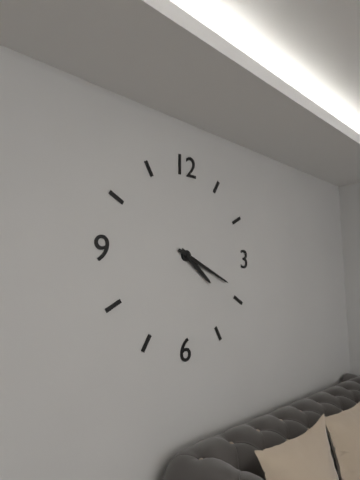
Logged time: 4 h 19 min
